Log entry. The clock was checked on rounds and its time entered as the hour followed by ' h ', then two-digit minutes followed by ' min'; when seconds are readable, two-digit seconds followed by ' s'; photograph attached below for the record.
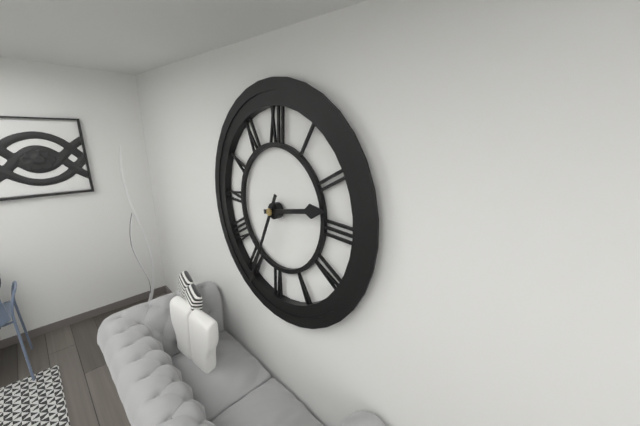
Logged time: 2 h 34 min
